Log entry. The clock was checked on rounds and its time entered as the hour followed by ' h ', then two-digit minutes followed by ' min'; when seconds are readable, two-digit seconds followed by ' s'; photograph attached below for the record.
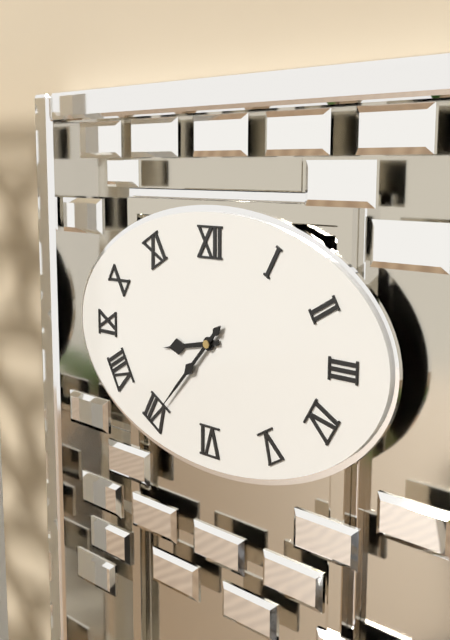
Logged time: 8 h 37 min
